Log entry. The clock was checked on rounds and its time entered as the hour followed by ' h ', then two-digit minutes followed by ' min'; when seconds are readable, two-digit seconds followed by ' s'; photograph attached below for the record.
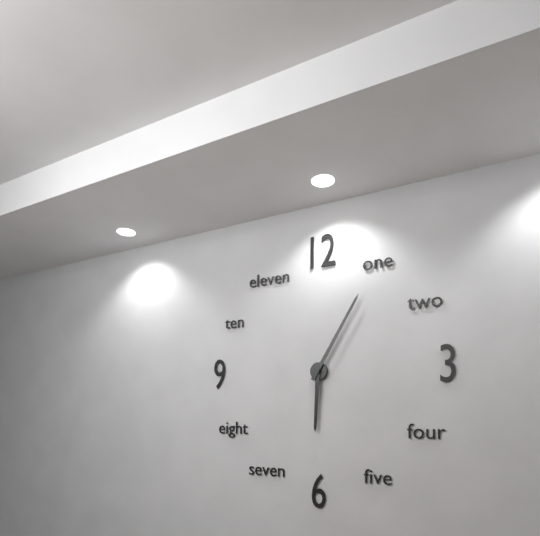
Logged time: 6 h 05 min
